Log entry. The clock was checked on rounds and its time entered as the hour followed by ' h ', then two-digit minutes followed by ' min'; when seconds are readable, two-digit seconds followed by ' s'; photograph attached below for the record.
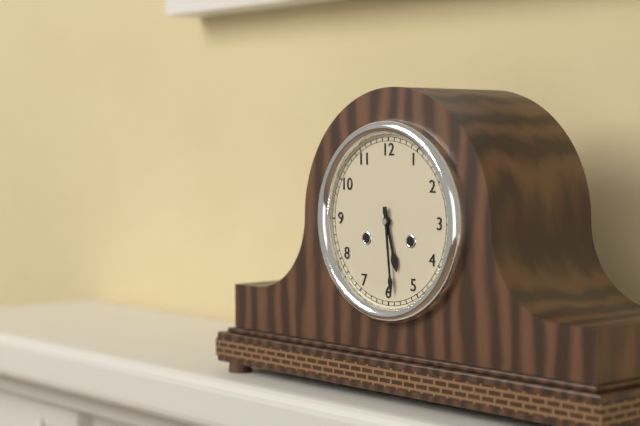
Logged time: 5 h 29 min
